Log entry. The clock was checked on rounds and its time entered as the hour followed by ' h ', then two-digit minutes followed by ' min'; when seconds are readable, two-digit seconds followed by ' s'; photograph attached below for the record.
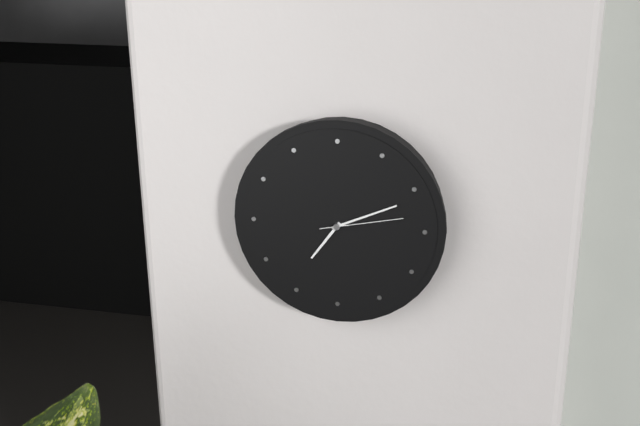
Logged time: 7 h 11 min 13 s
